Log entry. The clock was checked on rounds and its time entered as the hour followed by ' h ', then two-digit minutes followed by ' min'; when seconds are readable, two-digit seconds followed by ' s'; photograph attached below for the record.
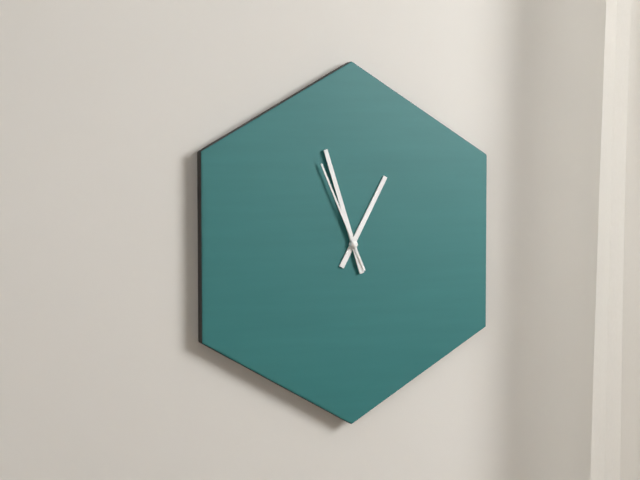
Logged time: 12 h 57 min 56 s
